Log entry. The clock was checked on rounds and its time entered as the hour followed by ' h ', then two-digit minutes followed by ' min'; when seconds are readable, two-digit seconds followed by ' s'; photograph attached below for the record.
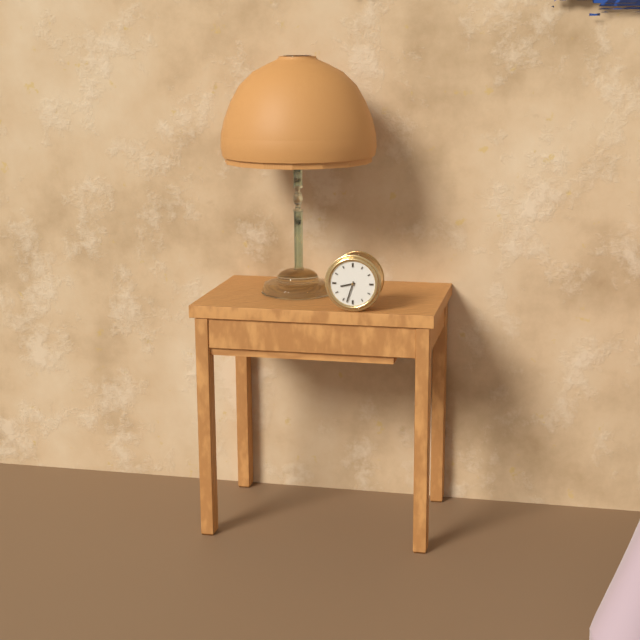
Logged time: 8 h 33 min
